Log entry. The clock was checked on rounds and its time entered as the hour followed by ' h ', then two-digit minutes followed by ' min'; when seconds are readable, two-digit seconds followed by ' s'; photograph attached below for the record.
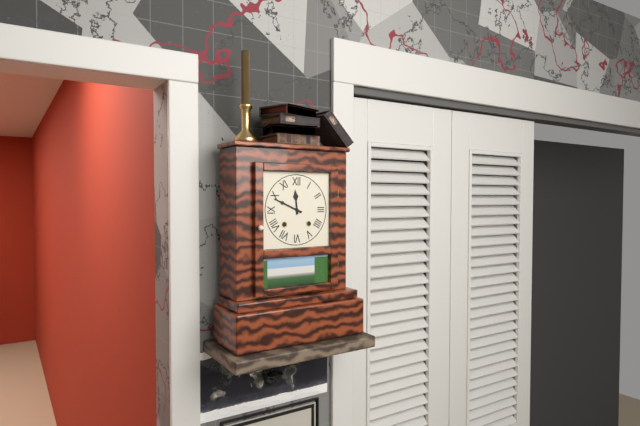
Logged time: 11 h 49 min
